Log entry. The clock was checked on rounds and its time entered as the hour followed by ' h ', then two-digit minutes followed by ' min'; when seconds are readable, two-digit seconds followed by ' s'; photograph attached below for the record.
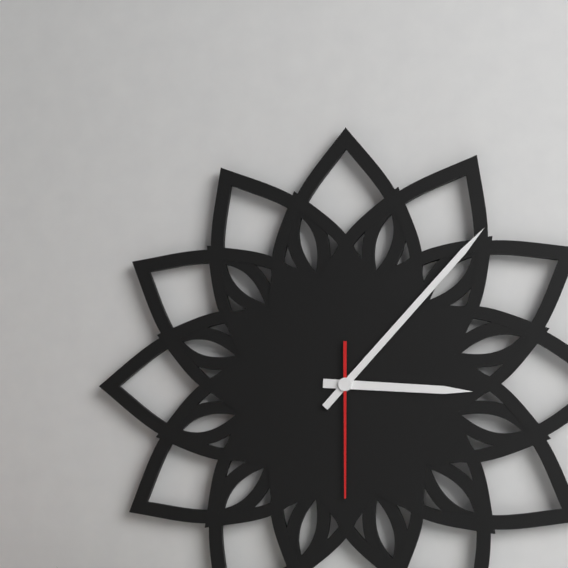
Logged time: 3 h 07 min 30 s
